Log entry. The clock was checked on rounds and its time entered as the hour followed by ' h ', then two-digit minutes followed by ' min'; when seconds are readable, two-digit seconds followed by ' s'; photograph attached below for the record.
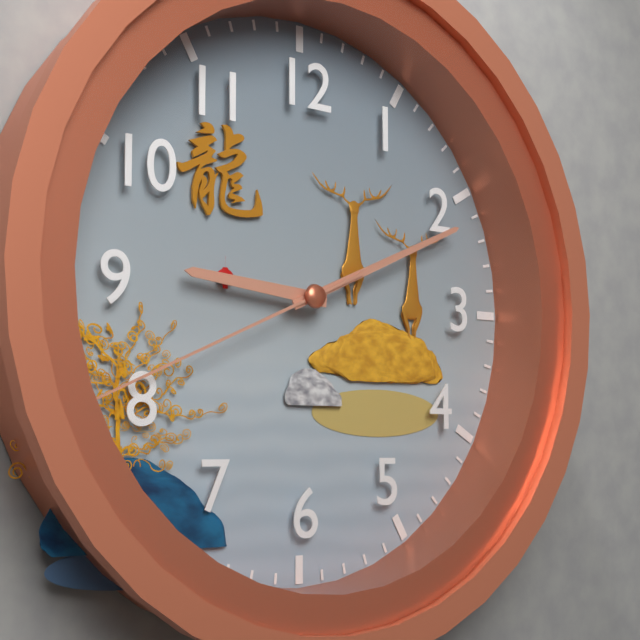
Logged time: 9 h 11 min 41 s
